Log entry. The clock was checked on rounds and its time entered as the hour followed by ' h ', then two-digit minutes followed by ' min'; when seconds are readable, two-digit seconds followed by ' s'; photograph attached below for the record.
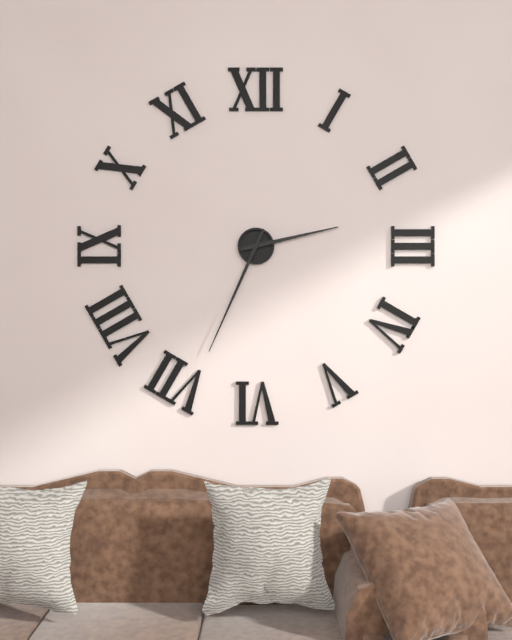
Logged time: 2 h 34 min
